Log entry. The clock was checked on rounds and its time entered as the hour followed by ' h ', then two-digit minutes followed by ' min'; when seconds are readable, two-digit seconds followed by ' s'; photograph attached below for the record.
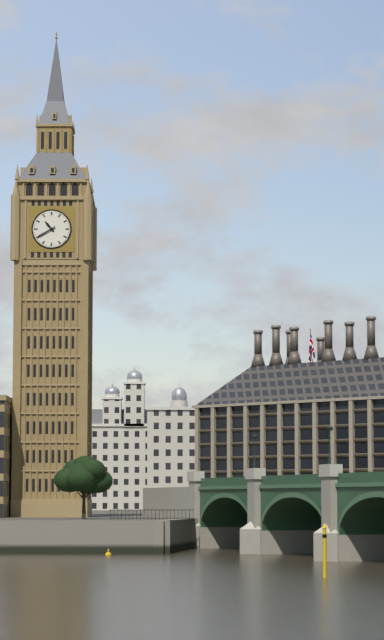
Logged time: 10 h 40 min
